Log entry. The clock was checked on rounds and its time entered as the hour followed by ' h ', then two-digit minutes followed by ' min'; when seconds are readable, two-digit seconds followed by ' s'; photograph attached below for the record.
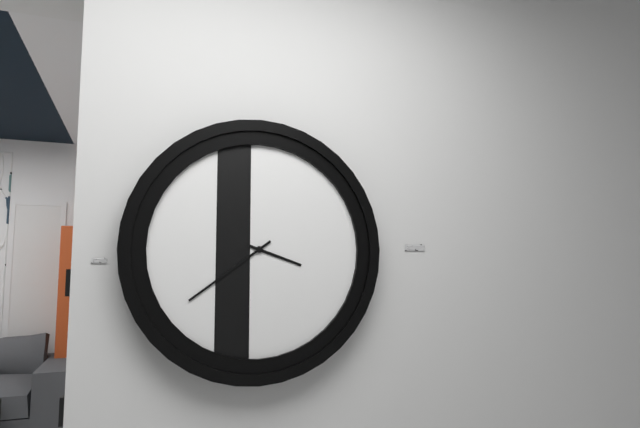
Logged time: 3 h 39 min
